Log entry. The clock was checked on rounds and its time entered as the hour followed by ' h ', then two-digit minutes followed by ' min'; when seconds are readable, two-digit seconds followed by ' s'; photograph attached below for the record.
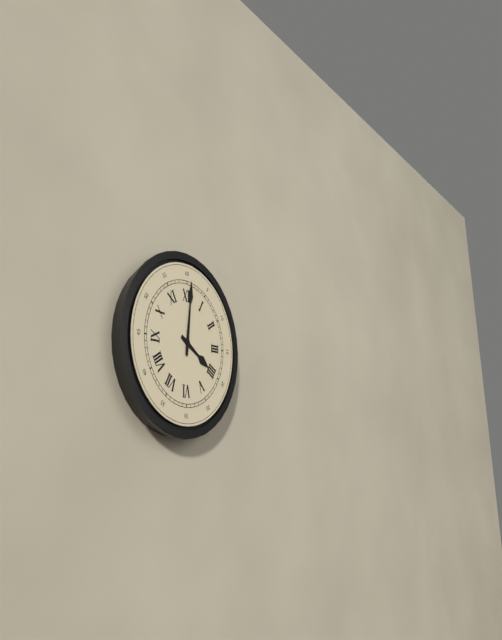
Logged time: 4 h 01 min
